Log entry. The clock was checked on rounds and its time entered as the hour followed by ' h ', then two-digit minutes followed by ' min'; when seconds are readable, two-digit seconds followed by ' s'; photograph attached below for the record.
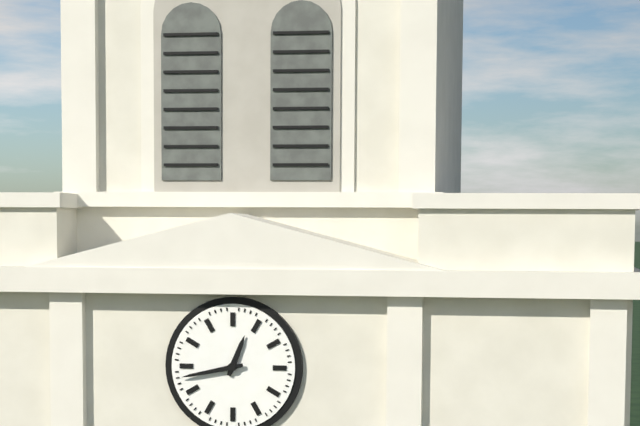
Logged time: 12 h 43 min
